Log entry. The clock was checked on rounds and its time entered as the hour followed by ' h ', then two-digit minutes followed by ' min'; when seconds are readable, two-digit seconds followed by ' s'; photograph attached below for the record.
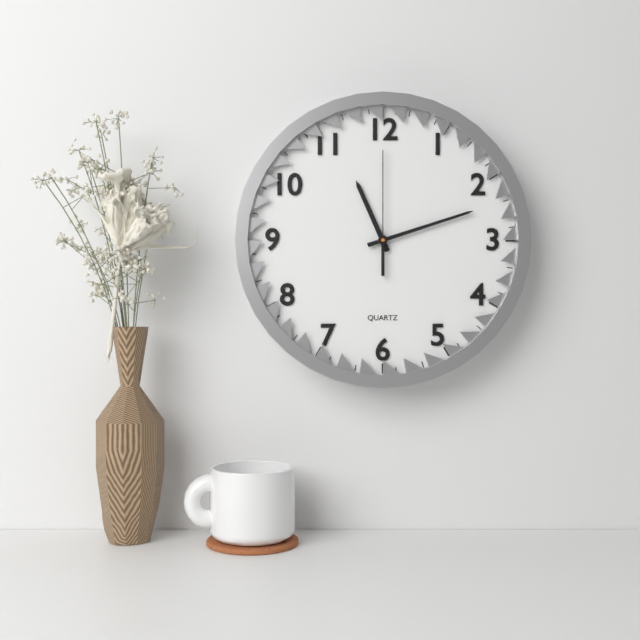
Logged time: 11 h 12 min 00 s
